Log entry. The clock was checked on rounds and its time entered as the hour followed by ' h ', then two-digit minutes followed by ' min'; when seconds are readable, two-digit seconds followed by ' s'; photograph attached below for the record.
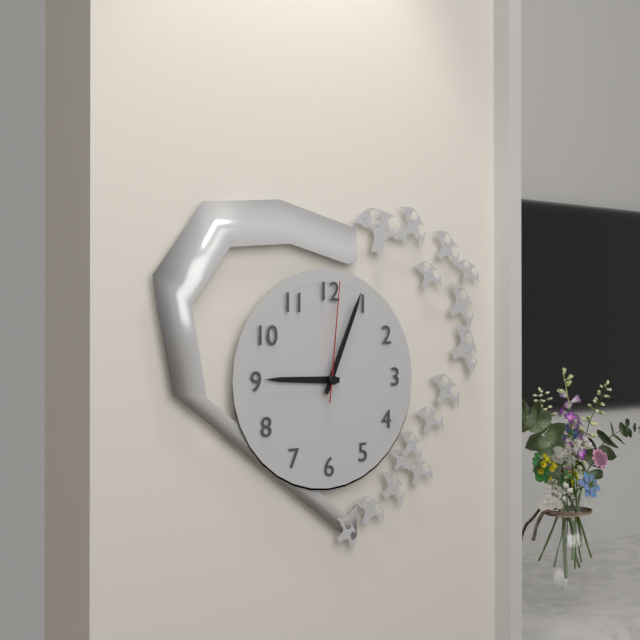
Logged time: 9 h 04 min 01 s
